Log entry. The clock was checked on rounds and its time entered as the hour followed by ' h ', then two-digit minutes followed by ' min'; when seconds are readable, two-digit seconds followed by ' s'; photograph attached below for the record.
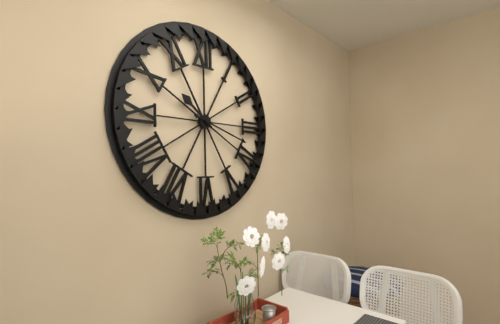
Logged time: 10 h 18 min
